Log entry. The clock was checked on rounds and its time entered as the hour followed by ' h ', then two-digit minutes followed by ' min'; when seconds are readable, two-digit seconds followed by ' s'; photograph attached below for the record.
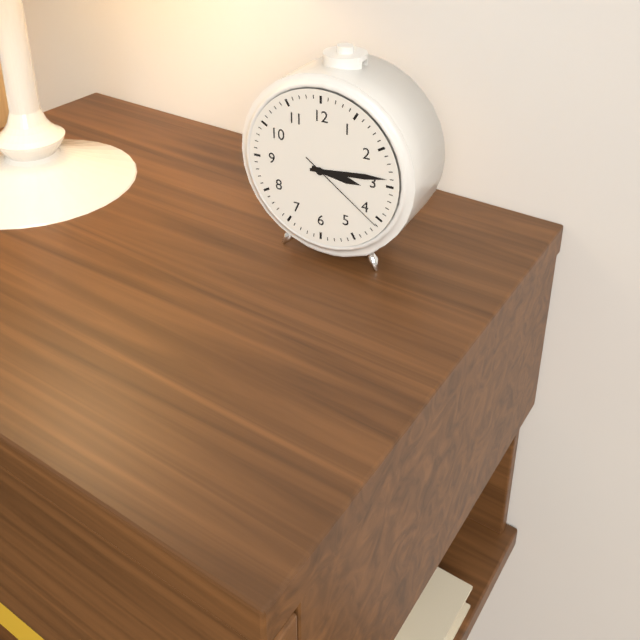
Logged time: 3 h 14 min 21 s
